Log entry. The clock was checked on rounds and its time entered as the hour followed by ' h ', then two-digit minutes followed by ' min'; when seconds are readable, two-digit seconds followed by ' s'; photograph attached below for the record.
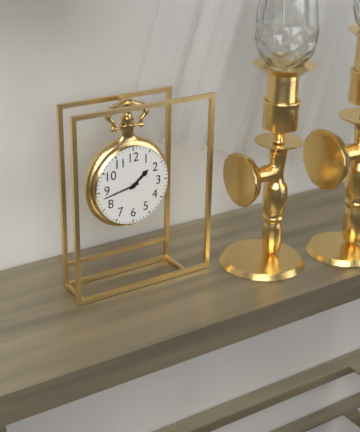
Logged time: 1 h 43 min
